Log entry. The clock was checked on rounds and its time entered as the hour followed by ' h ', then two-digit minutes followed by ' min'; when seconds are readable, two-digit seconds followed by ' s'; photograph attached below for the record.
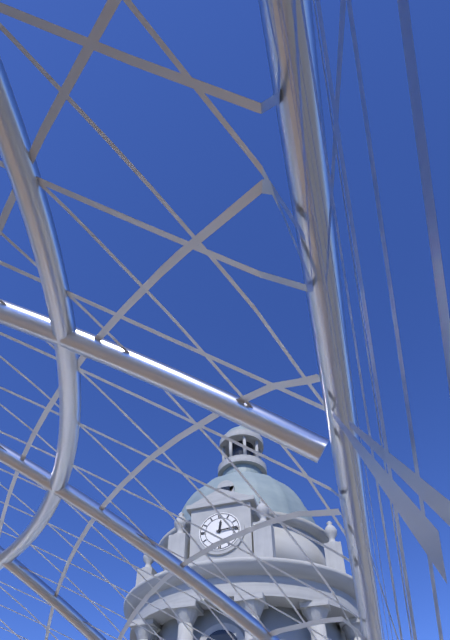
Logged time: 12 h 14 min
